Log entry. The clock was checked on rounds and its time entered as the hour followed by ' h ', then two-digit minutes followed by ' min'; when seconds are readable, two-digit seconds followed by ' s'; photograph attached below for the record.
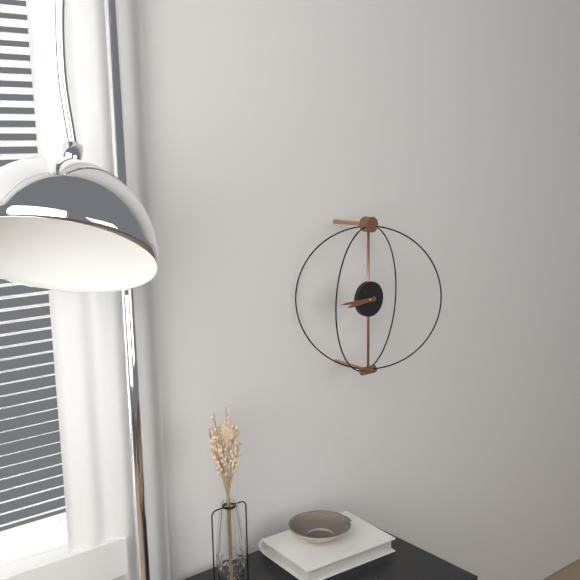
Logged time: 8 h 45 min
